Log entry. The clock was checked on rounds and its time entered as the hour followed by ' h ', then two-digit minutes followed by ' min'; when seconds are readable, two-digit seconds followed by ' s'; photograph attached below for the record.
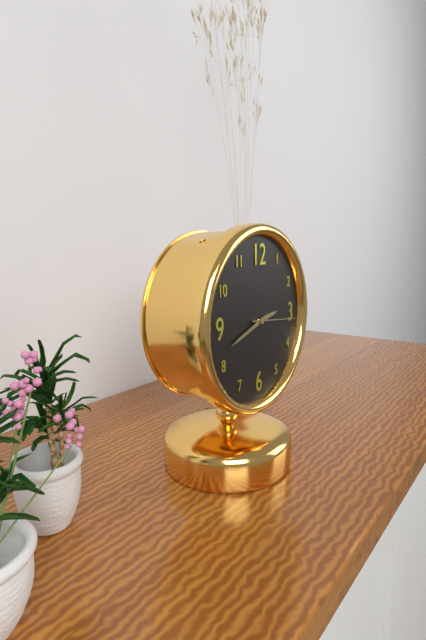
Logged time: 2 h 42 min
